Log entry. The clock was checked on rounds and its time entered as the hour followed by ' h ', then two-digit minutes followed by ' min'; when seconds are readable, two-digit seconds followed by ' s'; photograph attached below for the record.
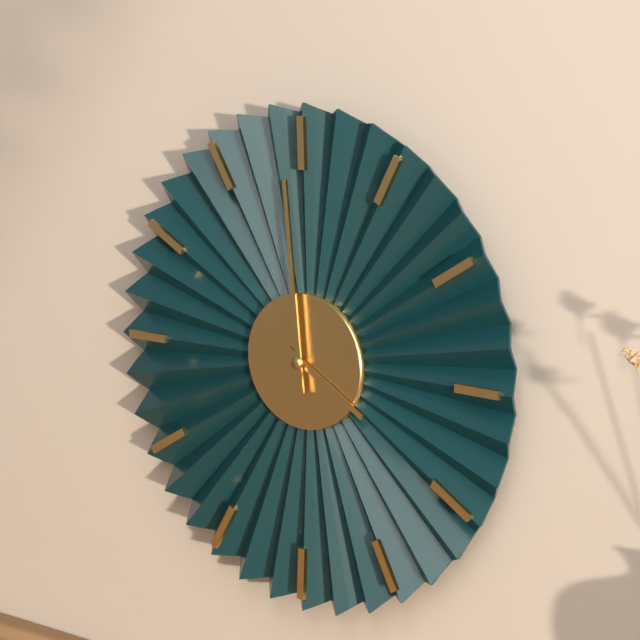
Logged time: 3 h 59 min
